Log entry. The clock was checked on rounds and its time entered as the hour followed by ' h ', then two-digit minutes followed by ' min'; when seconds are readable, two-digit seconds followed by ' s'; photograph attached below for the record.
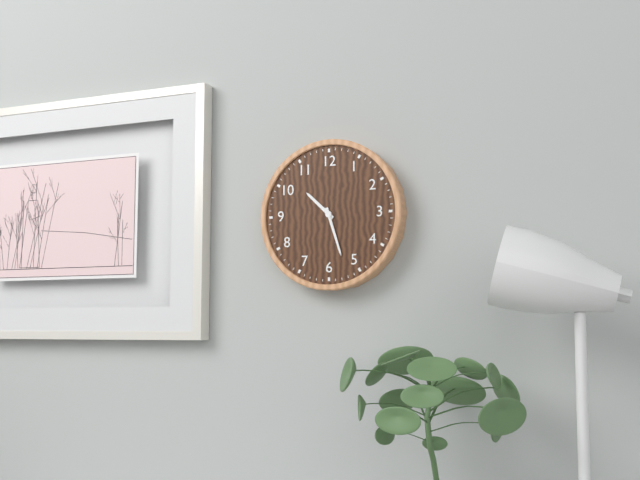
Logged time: 10 h 27 min
